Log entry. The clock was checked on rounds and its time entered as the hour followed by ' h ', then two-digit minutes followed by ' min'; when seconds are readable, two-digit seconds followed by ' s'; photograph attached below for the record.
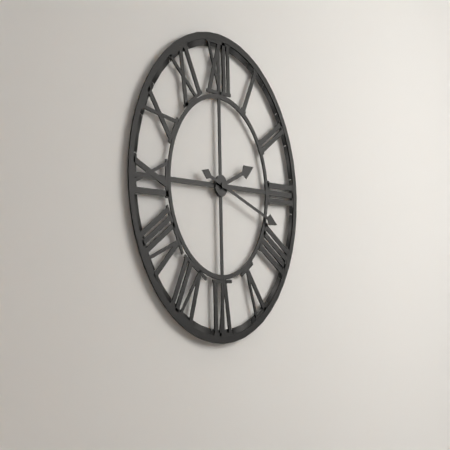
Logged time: 2 h 18 min
